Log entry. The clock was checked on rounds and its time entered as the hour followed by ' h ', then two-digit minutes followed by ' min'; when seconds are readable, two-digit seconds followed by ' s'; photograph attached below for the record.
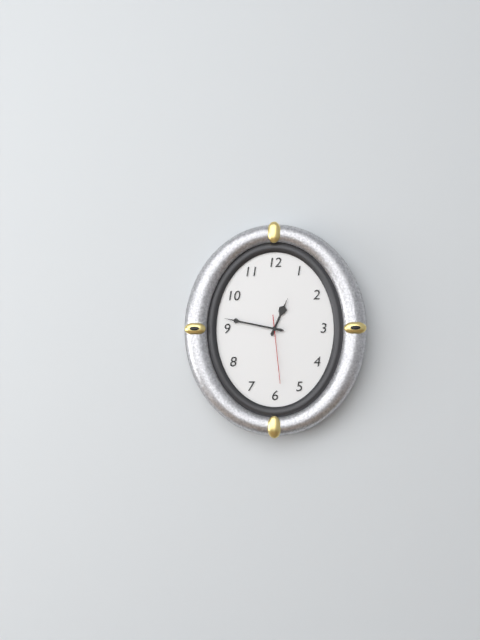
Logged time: 12 h 47 min 29 s
